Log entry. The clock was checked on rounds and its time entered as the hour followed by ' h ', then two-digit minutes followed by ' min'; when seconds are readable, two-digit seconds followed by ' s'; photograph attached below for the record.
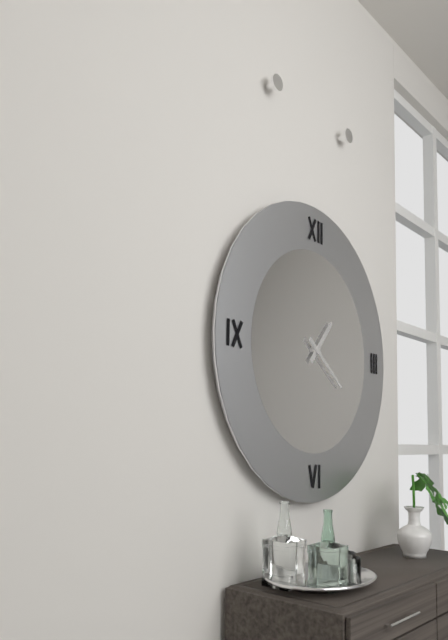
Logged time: 1 h 21 min
